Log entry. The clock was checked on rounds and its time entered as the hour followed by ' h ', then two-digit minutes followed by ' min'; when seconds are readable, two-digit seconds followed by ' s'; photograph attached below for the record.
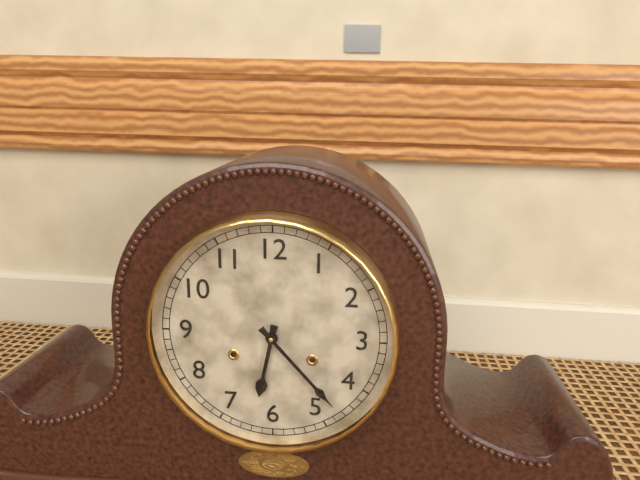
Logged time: 6 h 23 min
